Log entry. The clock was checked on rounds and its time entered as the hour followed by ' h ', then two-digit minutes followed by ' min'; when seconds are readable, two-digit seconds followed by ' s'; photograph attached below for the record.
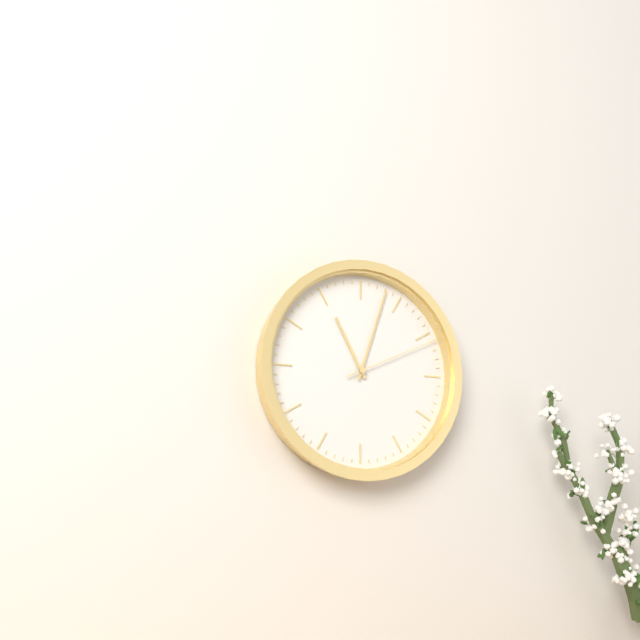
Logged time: 11 h 03 min 11 s
